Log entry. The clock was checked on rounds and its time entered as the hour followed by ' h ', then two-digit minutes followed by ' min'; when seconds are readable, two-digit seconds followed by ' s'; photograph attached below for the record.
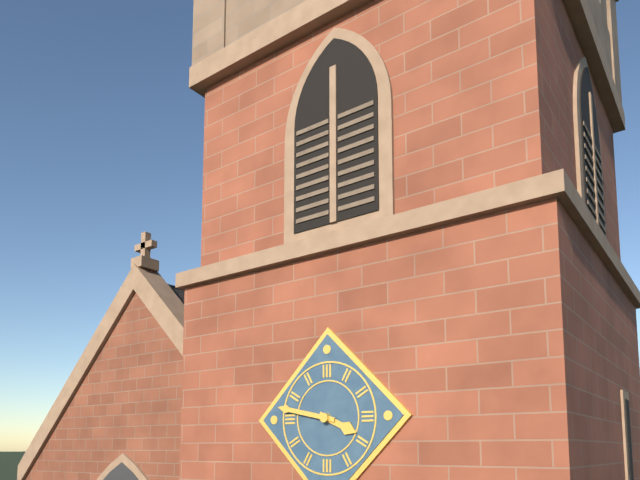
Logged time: 3 h 47 min
